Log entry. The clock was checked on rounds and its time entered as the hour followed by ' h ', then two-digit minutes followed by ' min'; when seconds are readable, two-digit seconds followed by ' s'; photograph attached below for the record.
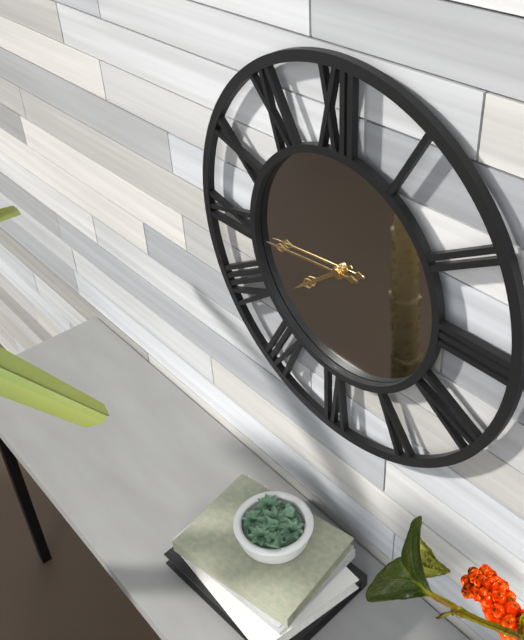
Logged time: 7 h 44 min
